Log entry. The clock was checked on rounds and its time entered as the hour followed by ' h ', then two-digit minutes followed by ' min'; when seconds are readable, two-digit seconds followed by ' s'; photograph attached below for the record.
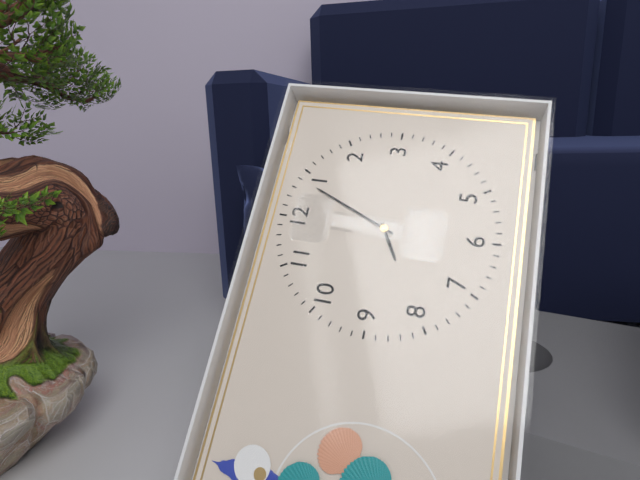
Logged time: 8 h 04 min
